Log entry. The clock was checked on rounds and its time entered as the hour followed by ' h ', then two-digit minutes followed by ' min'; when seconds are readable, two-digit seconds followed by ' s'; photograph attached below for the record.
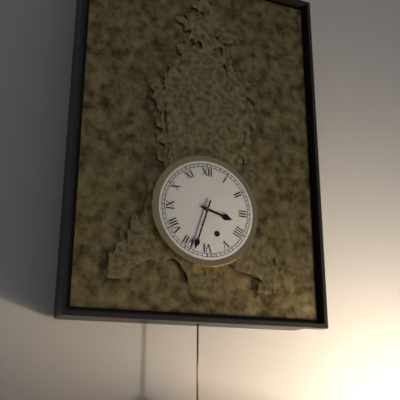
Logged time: 3 h 33 min
